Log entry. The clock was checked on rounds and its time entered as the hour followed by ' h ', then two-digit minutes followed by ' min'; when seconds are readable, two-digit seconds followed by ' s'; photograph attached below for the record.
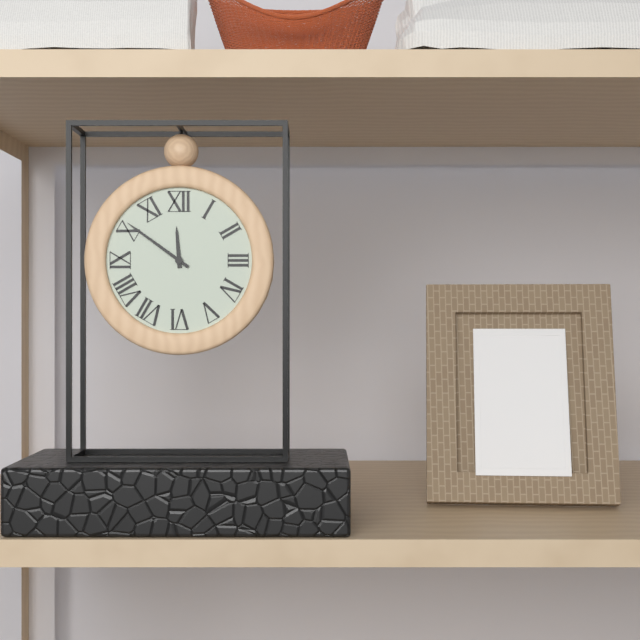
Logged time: 11 h 51 min
